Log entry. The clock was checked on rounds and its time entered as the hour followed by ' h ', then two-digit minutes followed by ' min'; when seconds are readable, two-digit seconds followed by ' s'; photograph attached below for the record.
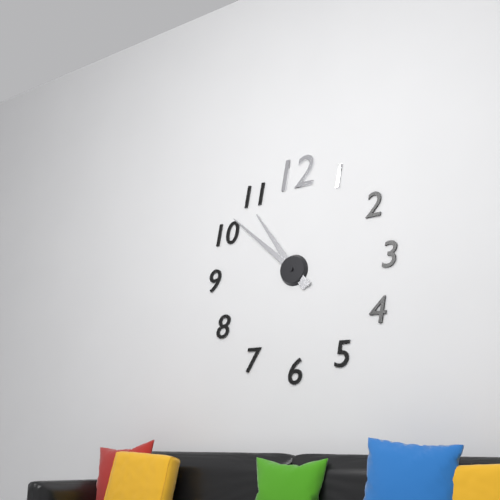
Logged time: 10 h 52 min
